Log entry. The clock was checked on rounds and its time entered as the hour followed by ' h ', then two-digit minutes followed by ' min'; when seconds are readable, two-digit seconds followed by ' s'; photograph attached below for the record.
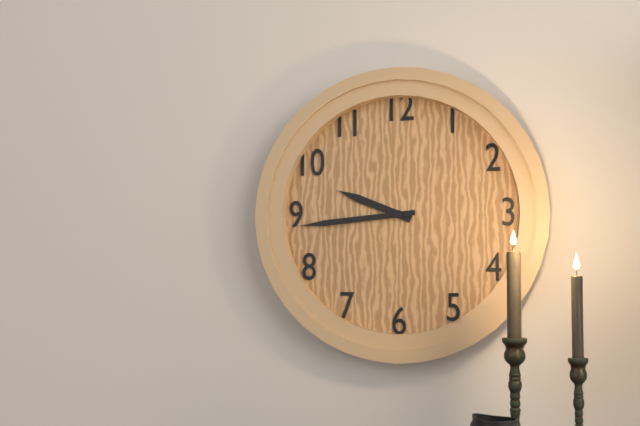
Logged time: 9 h 44 min
